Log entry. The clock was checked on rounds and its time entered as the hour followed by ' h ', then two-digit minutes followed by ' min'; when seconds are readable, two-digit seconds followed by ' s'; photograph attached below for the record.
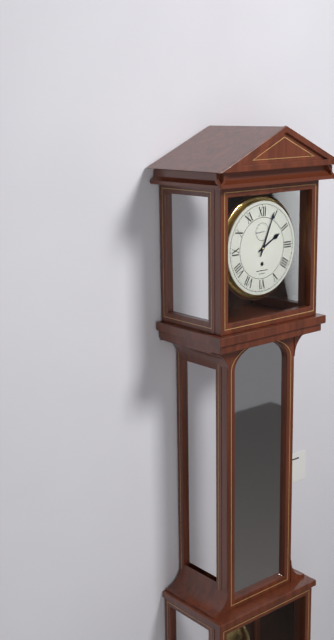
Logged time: 2 h 04 min
